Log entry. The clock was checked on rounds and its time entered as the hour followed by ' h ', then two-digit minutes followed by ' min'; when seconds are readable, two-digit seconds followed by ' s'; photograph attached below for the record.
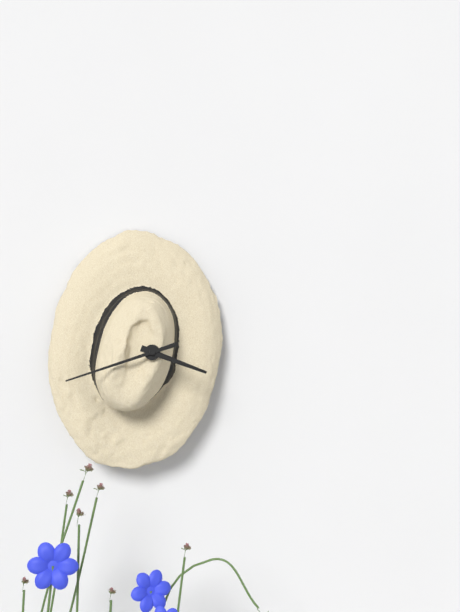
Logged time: 3 h 42 min
